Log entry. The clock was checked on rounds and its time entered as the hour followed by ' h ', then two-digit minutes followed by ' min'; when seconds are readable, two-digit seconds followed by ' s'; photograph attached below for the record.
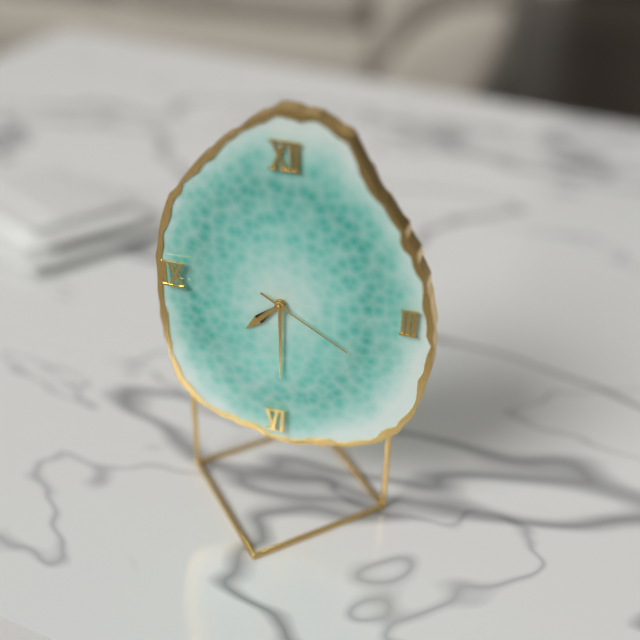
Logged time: 7 h 30 min 20 s
